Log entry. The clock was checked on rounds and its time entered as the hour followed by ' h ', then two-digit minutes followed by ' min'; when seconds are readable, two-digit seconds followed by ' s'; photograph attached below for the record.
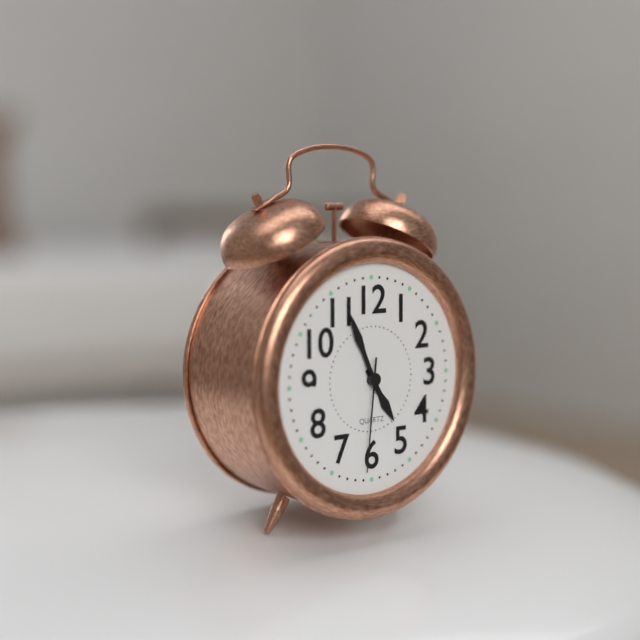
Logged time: 4 h 56 min 31 s
